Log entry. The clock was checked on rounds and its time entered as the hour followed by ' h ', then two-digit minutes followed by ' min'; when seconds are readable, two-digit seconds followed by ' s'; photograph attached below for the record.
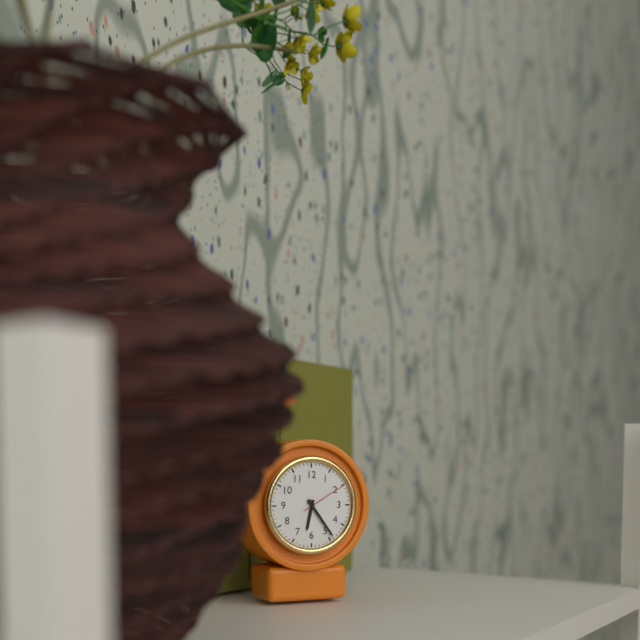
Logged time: 6 h 24 min
